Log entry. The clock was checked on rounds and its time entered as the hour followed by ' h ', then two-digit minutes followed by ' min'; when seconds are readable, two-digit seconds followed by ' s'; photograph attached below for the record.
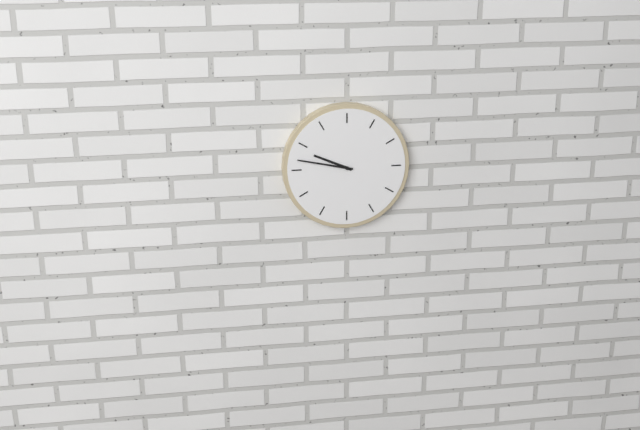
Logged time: 9 h 47 min
